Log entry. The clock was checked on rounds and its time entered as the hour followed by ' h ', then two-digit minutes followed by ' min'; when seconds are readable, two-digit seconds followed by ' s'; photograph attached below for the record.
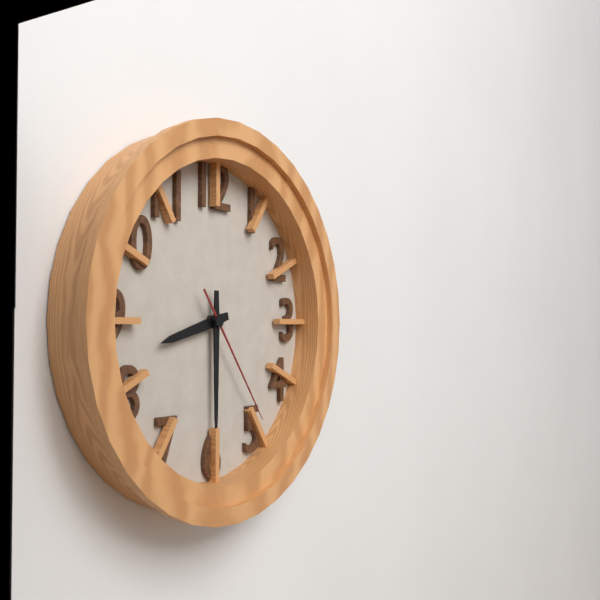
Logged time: 8 h 30 min 24 s
